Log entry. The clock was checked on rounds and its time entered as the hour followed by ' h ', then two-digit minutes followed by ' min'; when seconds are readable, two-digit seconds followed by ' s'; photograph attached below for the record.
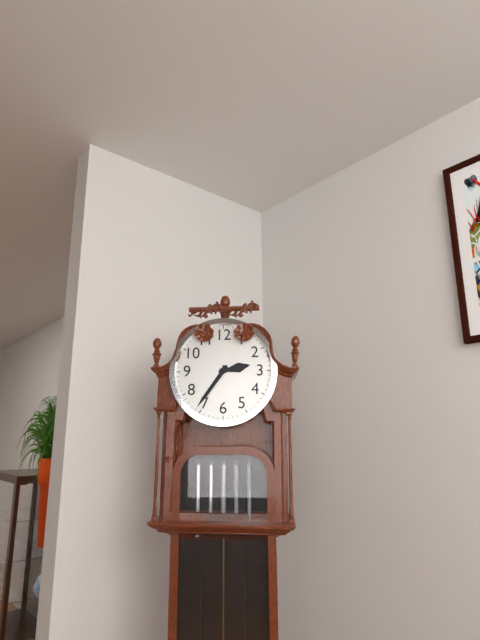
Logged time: 2 h 36 min
